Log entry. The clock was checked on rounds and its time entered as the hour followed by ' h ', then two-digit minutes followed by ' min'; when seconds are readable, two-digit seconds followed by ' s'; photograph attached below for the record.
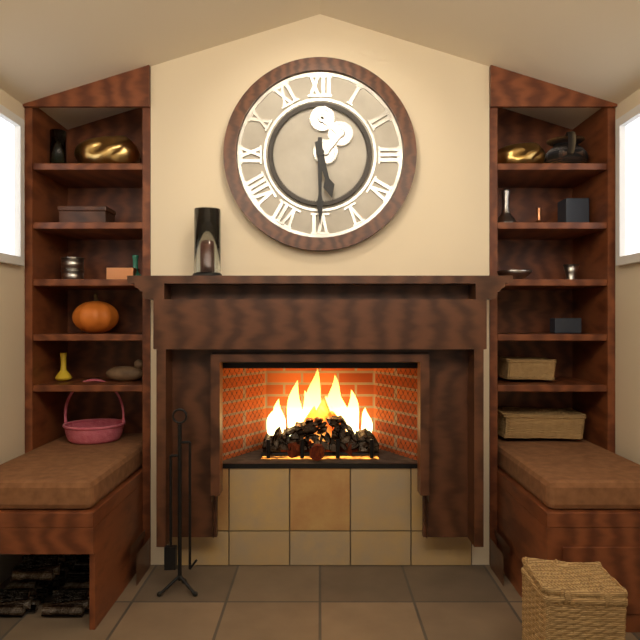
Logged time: 5 h 30 min
